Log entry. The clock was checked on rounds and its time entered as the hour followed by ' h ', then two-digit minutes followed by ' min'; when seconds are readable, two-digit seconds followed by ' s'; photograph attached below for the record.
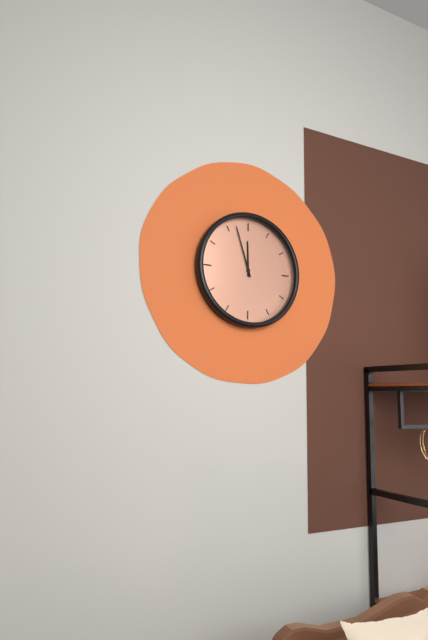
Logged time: 11 h 57 min
